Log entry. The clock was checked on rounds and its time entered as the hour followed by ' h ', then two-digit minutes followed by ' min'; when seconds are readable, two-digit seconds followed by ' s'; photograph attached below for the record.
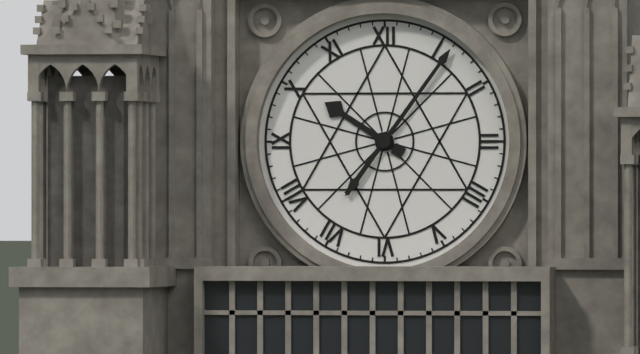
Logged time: 10 h 06 min
